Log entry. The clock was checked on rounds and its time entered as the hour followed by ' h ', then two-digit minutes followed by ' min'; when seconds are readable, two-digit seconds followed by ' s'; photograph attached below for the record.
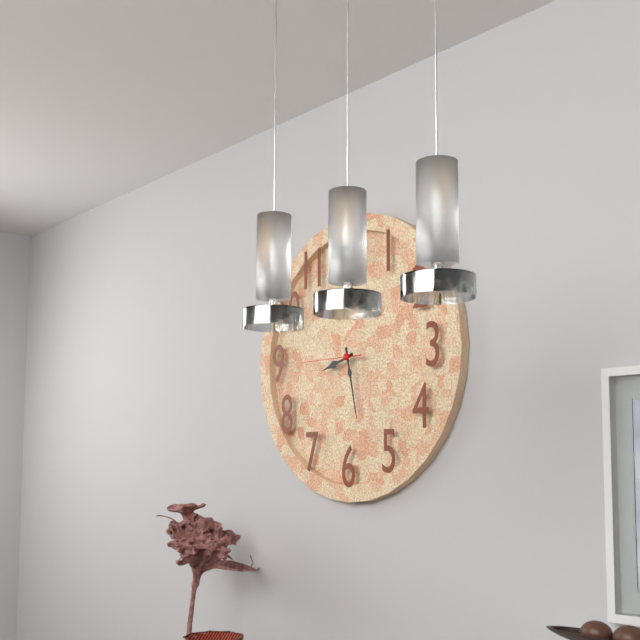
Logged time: 8 h 28 min 45 s
